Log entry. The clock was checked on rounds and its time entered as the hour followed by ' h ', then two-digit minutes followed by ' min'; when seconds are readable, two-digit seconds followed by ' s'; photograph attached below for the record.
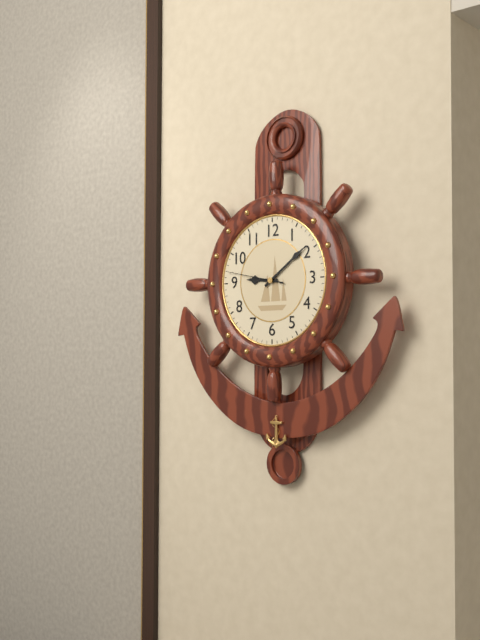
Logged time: 9 h 09 min 47 s
